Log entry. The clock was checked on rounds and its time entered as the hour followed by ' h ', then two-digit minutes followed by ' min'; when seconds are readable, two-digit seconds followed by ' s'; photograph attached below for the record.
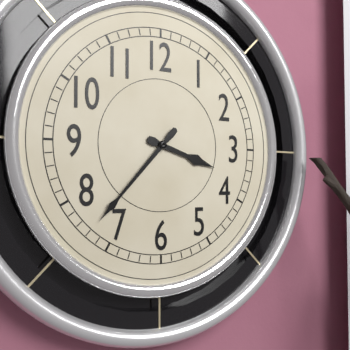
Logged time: 3 h 37 min
